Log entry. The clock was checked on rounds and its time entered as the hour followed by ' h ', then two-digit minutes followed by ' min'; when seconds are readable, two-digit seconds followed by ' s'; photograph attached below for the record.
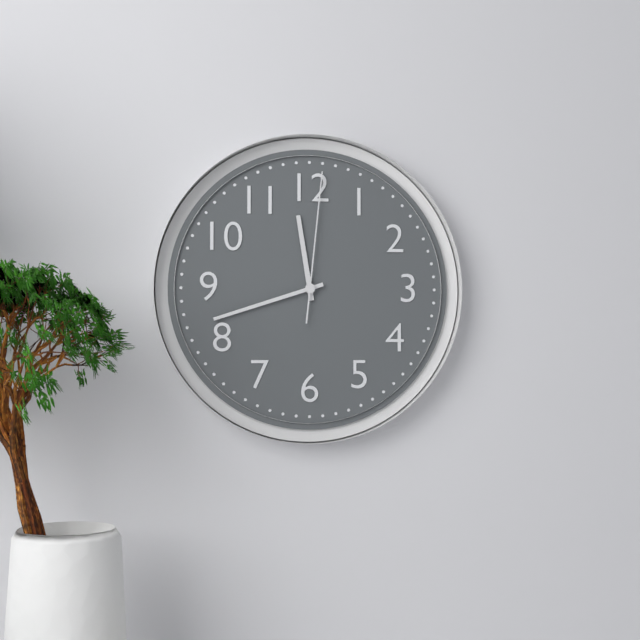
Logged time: 11 h 42 min 01 s
